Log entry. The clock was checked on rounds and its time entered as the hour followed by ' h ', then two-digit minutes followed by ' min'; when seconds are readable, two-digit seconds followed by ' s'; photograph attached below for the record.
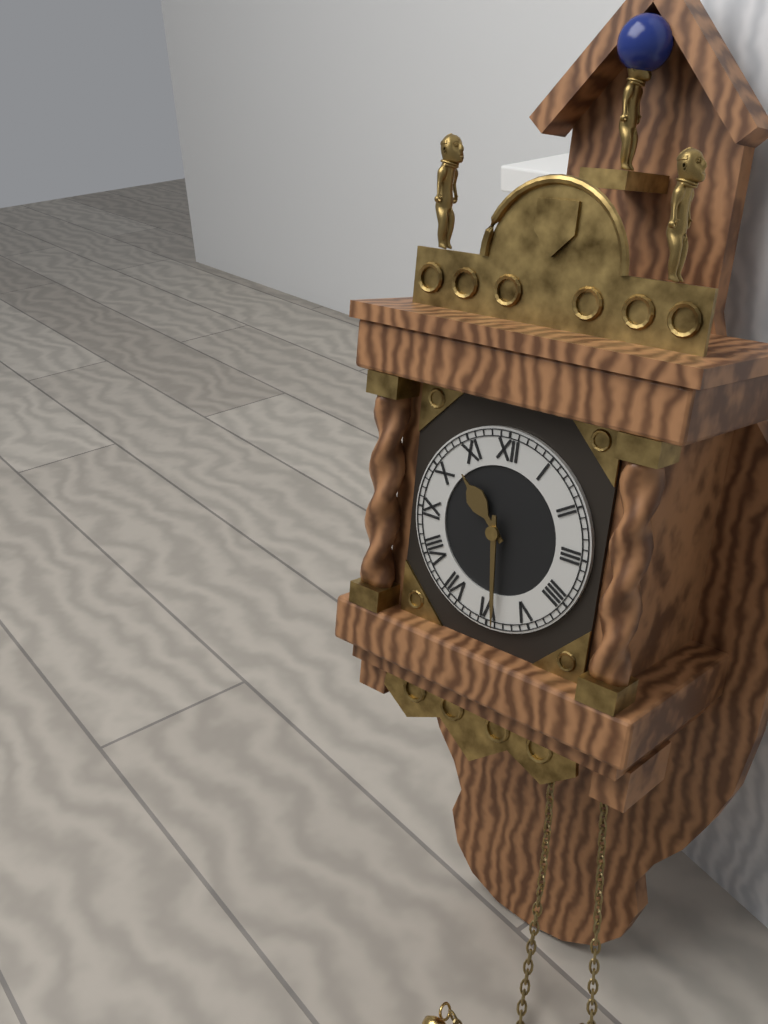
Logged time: 10 h 29 min
